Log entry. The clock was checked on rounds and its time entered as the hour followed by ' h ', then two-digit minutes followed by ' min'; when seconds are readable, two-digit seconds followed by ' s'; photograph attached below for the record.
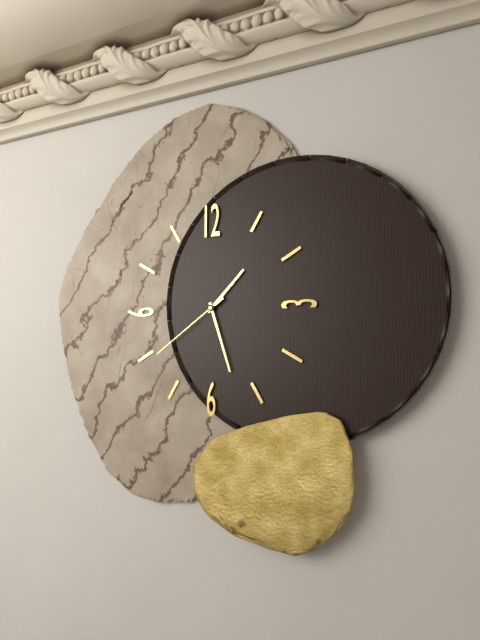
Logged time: 1 h 27 min 39 s
